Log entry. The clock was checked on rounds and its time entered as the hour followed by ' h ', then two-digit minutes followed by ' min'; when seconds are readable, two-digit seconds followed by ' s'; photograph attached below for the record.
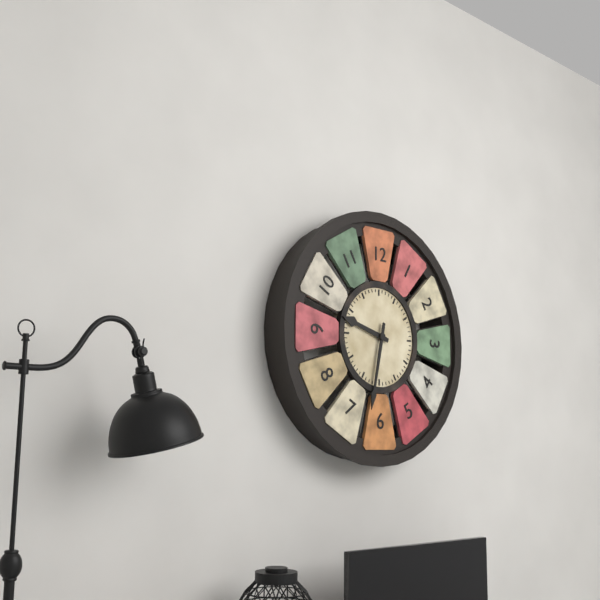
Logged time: 9 h 32 min
